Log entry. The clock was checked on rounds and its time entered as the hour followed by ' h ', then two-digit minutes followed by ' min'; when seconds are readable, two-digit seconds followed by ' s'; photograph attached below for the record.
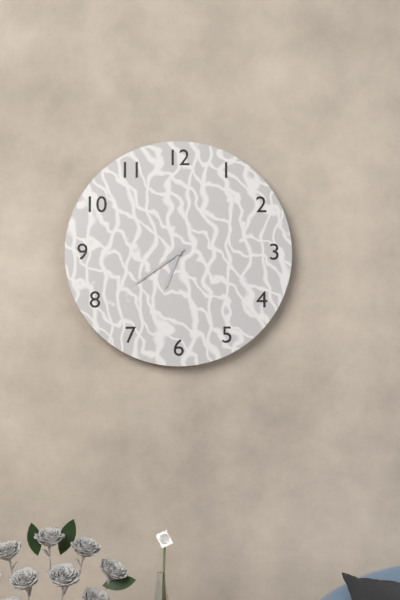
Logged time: 6 h 39 min
